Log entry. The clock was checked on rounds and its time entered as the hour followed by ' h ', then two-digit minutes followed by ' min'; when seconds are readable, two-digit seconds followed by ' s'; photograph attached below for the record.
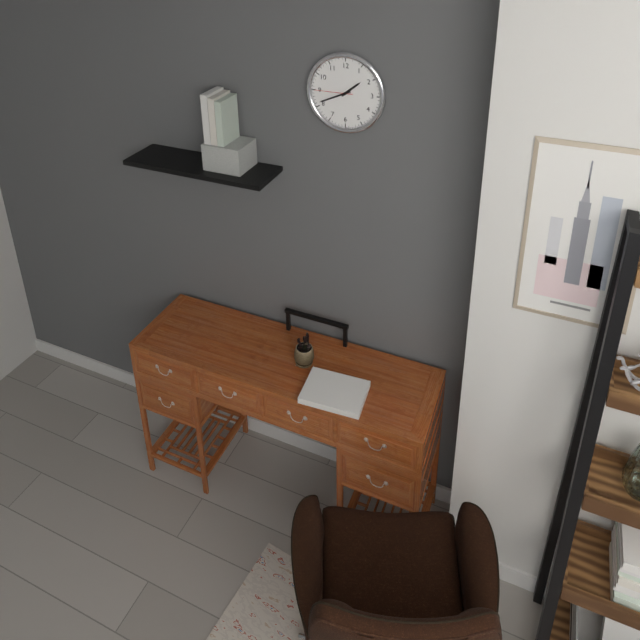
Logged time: 1 h 41 min
